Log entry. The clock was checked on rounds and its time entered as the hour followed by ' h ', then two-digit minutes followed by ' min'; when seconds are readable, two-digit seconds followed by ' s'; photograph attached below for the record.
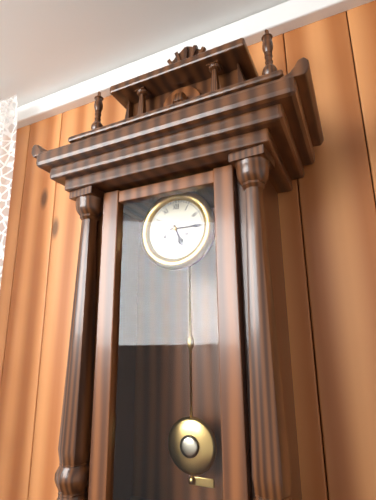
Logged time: 5 h 15 min
